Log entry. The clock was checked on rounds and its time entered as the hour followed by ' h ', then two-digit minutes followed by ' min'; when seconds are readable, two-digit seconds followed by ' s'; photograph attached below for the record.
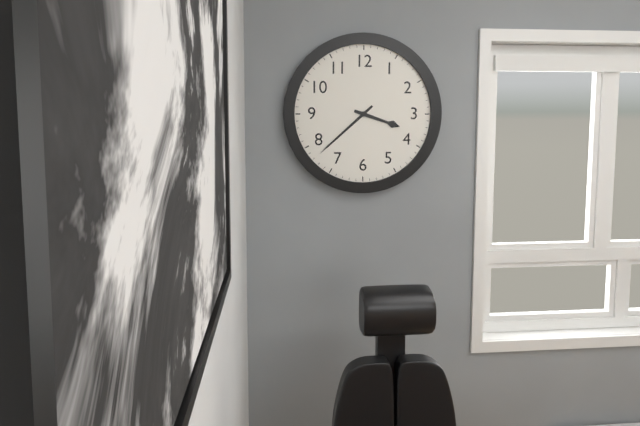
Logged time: 3 h 38 min
